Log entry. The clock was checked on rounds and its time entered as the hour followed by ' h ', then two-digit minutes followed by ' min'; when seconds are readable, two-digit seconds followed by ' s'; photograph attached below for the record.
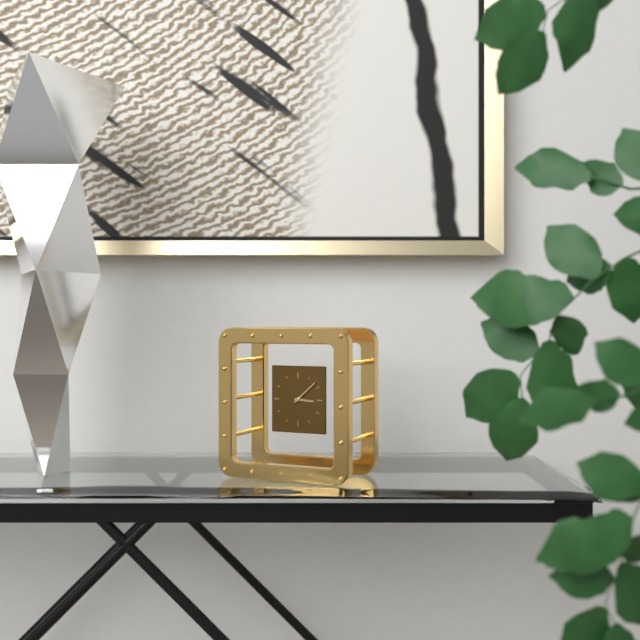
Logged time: 3 h 08 min
